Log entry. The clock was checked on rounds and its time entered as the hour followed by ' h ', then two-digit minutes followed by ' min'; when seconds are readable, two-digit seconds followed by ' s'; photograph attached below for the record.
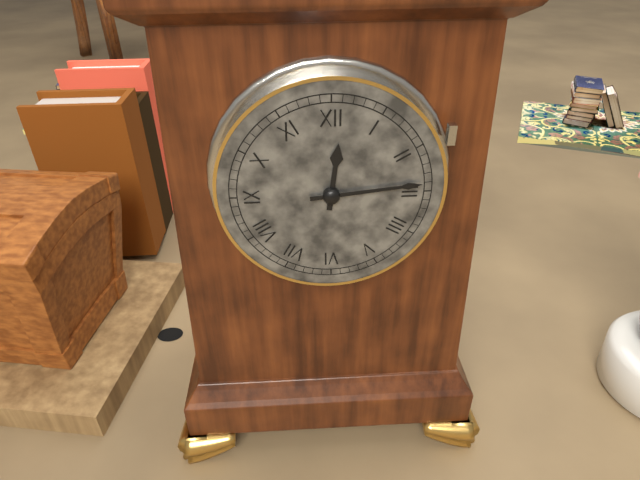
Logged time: 12 h 14 min
